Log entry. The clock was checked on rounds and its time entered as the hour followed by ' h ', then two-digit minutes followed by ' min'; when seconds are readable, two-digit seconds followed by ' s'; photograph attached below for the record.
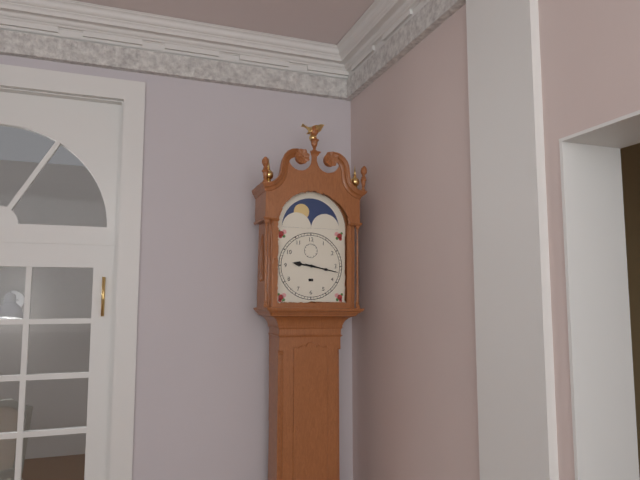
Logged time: 9 h 17 min
